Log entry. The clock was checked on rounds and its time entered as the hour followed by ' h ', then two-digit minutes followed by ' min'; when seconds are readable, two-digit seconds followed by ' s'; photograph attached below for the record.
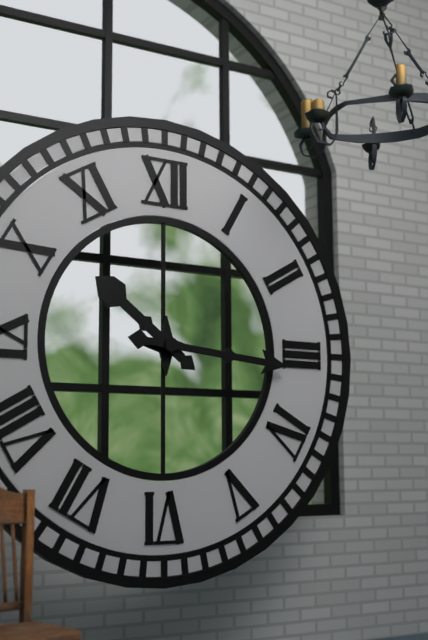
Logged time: 10 h 16 min
